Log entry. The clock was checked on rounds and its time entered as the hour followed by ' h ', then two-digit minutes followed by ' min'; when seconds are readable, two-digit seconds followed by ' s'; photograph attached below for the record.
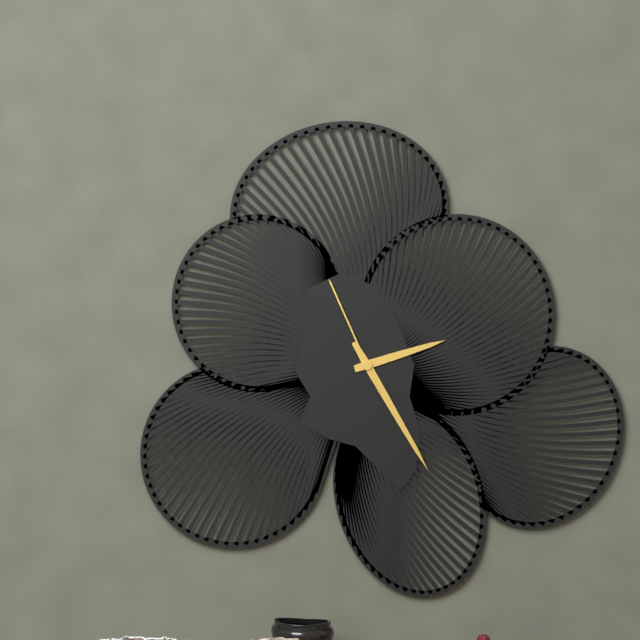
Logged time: 2 h 25 min 56 s
